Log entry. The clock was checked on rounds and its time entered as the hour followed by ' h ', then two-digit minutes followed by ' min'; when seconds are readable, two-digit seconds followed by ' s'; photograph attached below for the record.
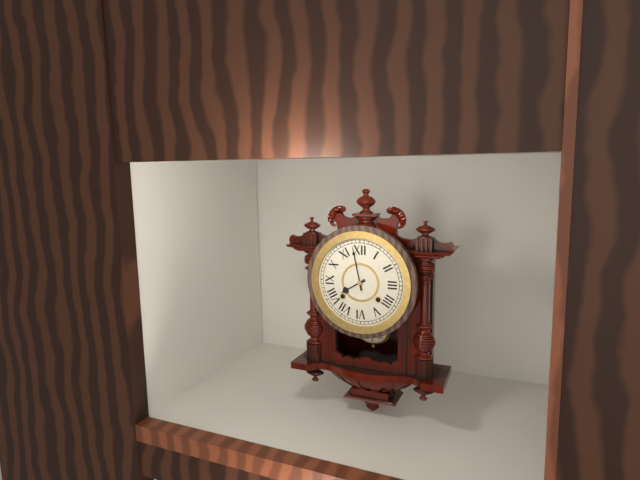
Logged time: 7 h 58 min
